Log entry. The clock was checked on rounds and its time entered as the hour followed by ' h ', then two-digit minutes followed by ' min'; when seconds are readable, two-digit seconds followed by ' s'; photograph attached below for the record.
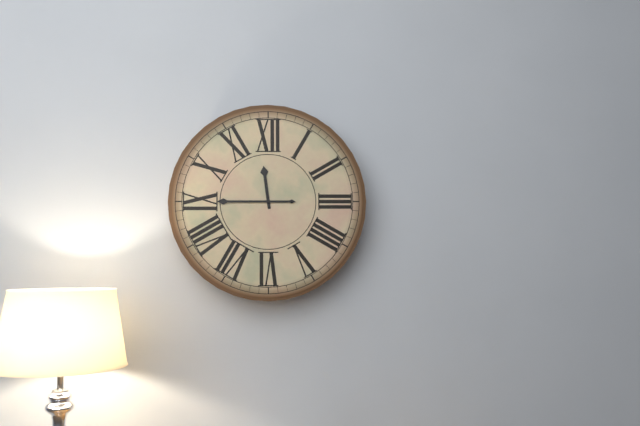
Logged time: 11 h 45 min
